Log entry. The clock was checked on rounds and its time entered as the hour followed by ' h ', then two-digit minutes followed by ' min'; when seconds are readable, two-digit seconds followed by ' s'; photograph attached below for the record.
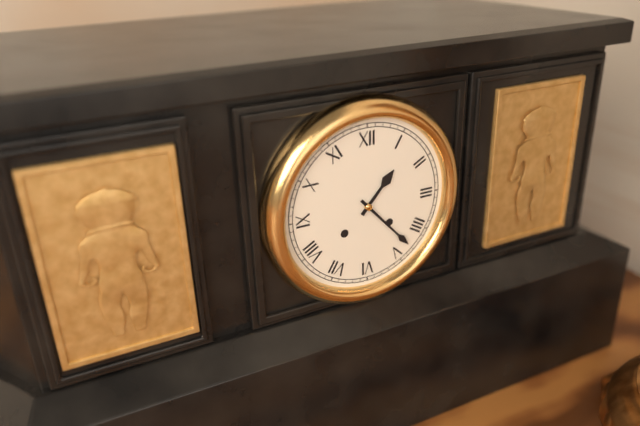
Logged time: 1 h 23 min
